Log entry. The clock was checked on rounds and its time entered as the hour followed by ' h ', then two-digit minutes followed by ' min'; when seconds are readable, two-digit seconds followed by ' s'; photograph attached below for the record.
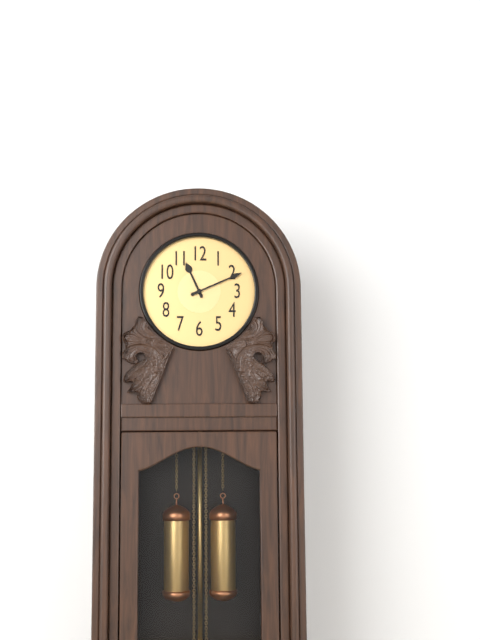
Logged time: 11 h 11 min
